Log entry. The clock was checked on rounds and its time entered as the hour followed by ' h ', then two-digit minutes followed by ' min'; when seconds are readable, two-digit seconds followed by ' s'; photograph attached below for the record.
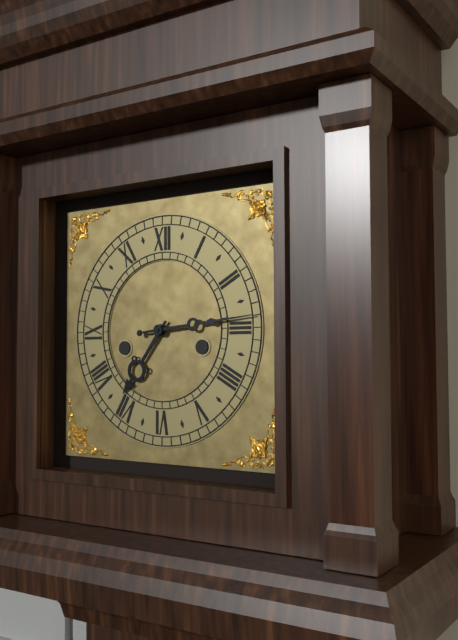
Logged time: 7 h 14 min
